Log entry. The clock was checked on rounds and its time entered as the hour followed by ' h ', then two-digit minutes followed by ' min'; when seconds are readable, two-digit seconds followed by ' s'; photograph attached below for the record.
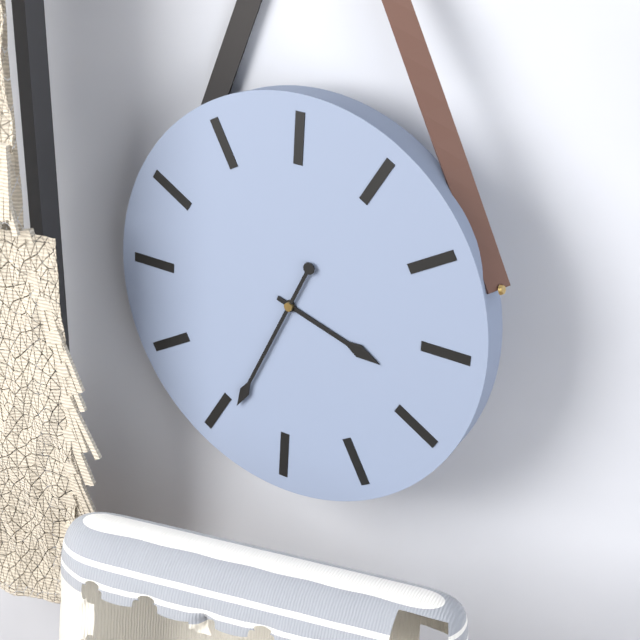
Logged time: 3 h 34 min
